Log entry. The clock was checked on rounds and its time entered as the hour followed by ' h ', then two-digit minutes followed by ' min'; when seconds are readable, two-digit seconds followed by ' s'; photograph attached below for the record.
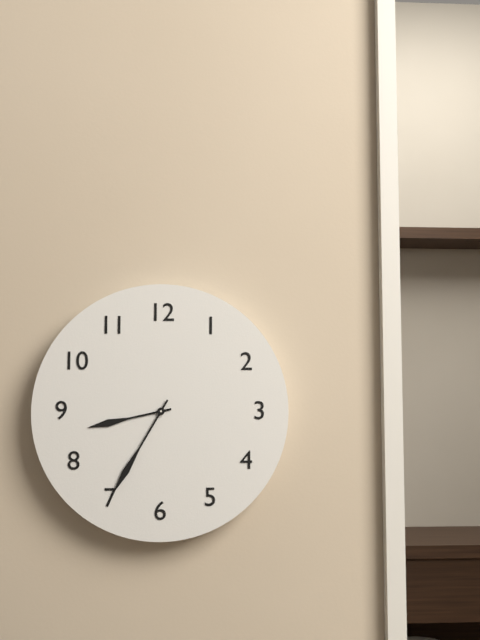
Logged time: 8 h 35 min
